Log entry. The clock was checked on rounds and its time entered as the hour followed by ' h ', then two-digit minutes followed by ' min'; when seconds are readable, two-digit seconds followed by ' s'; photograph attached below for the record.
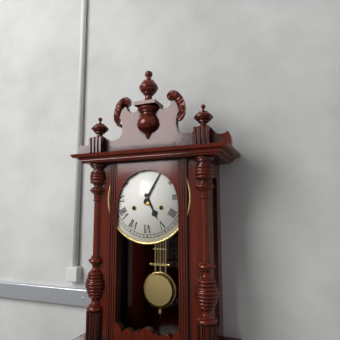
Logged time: 5 h 05 min
